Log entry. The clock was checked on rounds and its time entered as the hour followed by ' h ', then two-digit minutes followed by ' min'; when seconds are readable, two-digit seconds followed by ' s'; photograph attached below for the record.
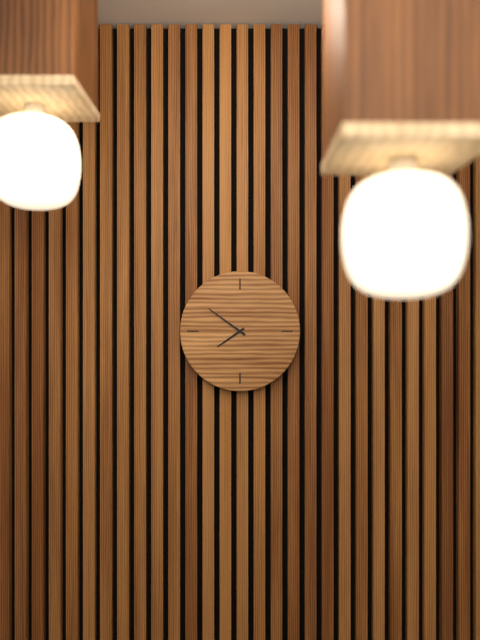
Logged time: 7 h 51 min
